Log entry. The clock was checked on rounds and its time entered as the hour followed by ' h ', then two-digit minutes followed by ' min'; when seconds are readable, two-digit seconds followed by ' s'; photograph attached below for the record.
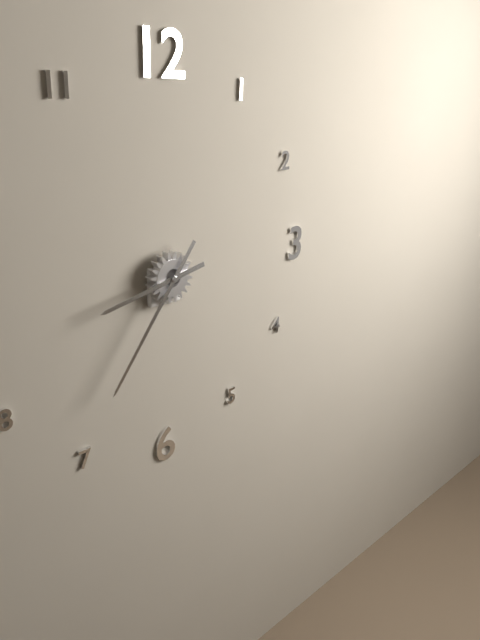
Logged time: 8 h 36 min
